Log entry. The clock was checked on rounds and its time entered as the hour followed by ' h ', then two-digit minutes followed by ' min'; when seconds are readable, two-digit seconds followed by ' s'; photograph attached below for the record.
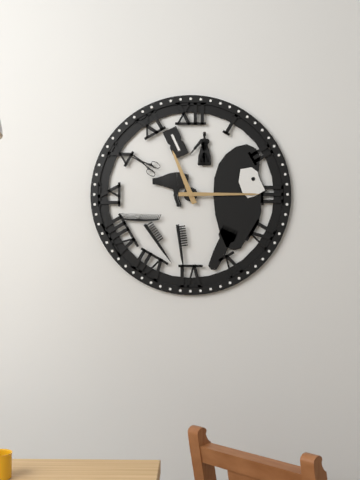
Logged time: 11 h 15 min
